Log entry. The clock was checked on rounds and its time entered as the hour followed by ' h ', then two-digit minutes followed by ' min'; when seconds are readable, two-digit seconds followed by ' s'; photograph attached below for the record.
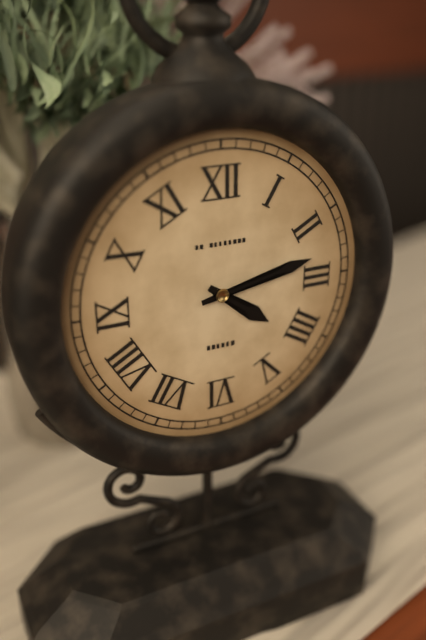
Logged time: 4 h 13 min
